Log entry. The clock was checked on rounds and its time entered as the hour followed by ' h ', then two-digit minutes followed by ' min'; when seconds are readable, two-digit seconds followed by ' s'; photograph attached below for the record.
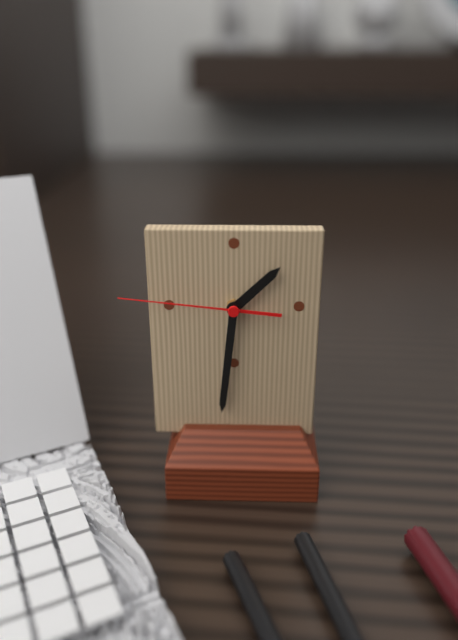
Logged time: 1 h 31 min 46 s
